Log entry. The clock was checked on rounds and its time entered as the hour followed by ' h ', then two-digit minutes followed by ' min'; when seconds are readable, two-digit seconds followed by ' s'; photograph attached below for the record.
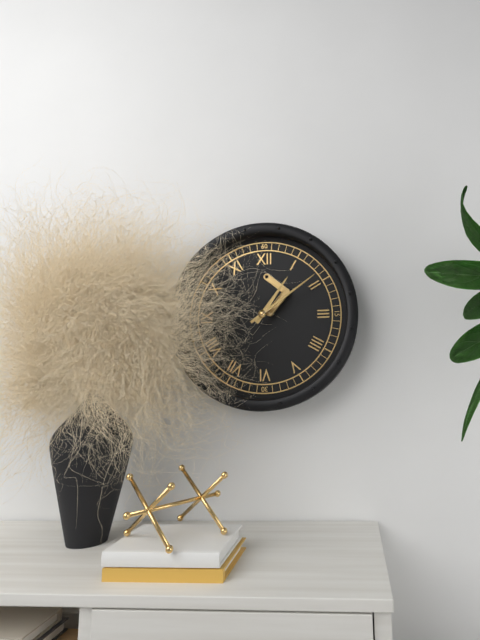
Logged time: 1 h 09 min
